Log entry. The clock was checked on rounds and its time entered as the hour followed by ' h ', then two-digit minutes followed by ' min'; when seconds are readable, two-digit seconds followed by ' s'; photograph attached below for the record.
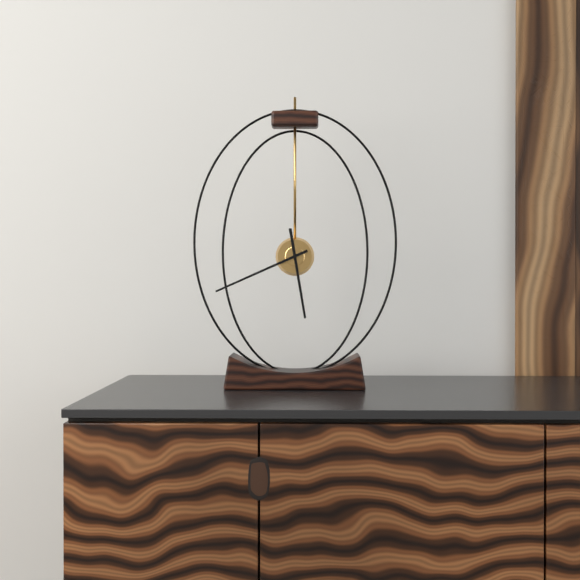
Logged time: 5 h 41 min
